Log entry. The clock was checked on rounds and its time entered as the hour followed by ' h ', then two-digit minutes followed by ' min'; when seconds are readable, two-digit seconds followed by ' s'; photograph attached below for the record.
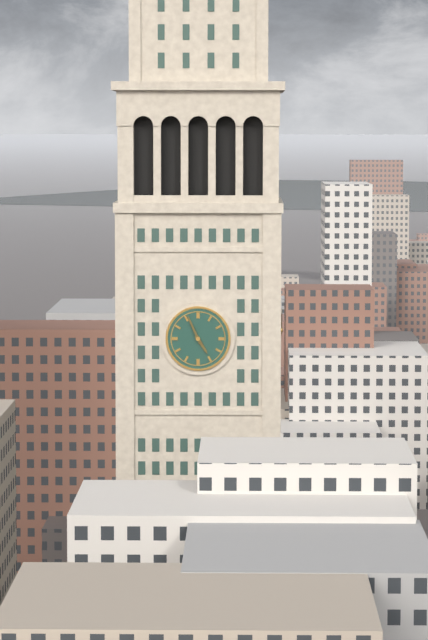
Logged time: 4 h 56 min
